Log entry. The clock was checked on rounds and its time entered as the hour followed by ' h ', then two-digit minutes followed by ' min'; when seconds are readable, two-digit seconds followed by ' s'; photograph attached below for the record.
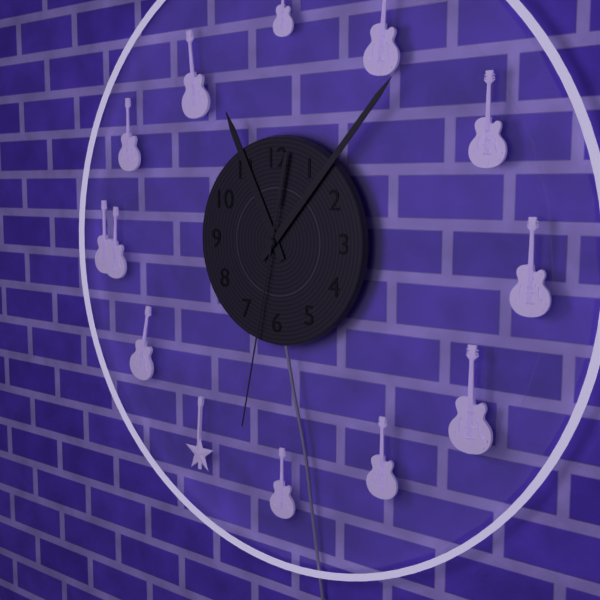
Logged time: 11 h 07 min 32 s
